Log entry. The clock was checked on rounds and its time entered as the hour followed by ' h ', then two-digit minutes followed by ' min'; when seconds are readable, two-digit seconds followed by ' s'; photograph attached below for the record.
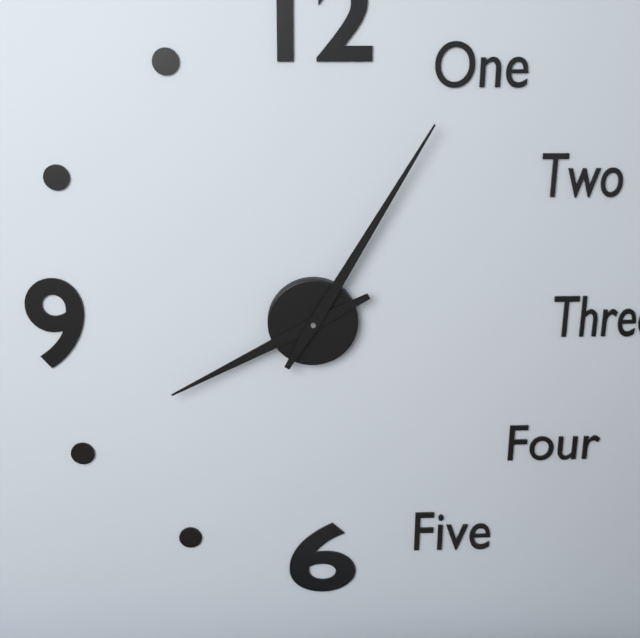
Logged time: 8 h 05 min
